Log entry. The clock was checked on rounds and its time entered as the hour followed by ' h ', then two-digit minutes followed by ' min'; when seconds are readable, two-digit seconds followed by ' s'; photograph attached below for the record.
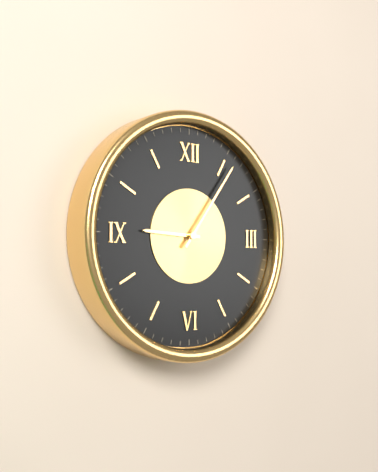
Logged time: 9 h 06 min
